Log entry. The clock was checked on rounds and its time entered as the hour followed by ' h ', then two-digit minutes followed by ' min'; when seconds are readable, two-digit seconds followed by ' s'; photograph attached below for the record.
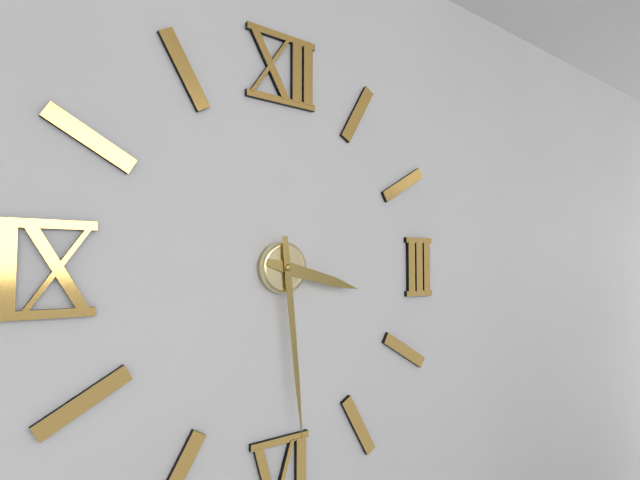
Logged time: 3 h 29 min
